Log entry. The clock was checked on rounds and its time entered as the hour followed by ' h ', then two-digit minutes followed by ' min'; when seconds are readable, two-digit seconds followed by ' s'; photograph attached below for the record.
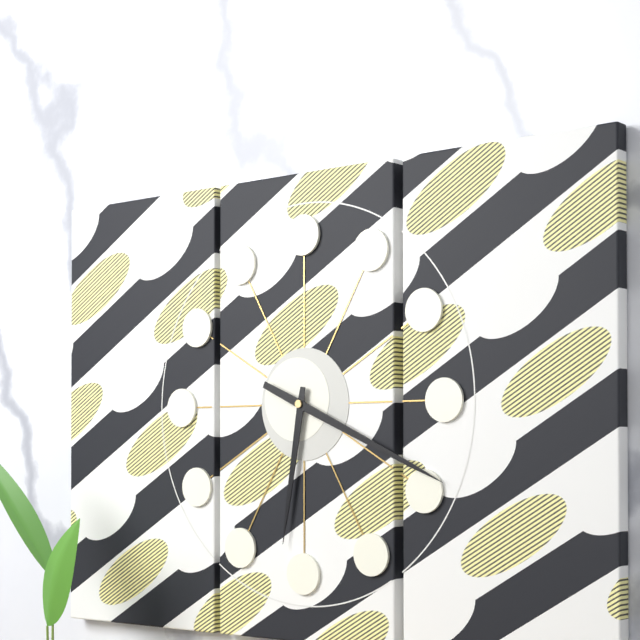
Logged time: 6 h 19 min
